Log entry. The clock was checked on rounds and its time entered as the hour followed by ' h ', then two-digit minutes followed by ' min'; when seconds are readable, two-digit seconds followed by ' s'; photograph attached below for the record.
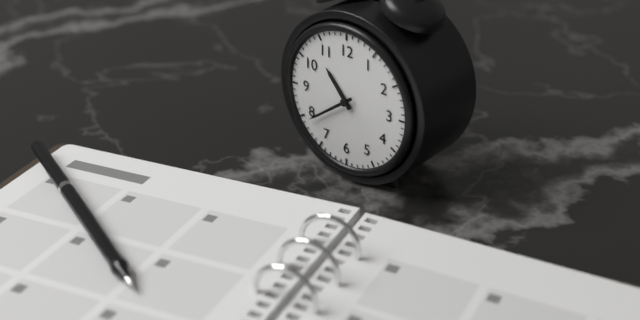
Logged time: 10 h 39 min
